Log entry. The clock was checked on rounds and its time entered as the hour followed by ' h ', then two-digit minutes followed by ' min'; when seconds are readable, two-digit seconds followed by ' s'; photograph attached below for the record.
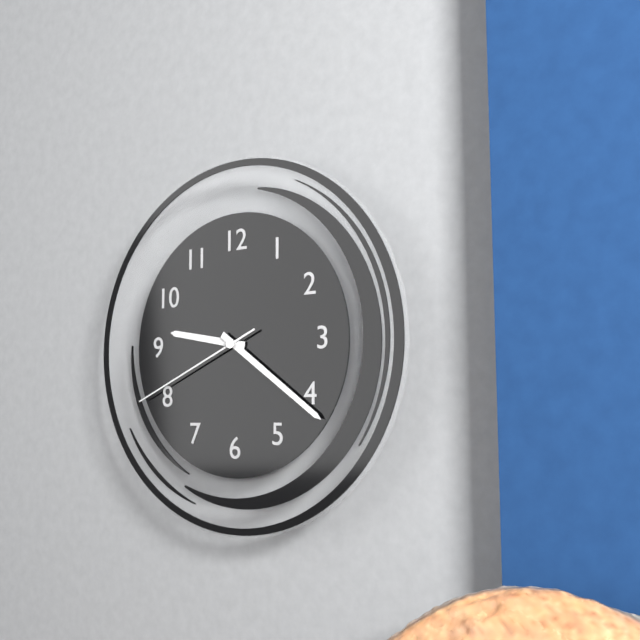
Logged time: 9 h 21 min 41 s
